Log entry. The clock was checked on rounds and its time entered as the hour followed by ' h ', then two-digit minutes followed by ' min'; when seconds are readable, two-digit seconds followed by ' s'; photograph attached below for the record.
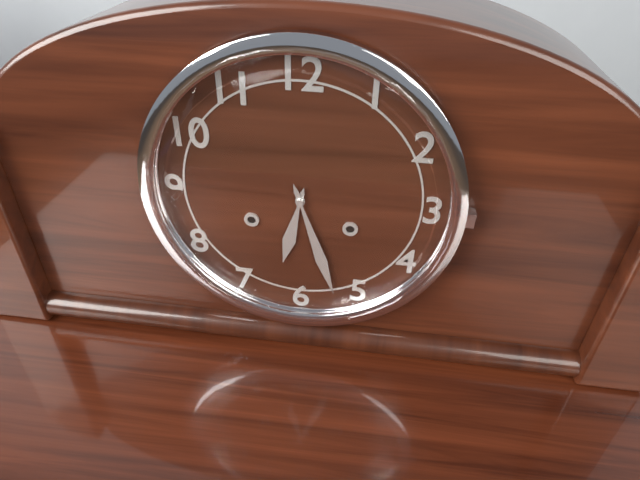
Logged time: 6 h 27 min
